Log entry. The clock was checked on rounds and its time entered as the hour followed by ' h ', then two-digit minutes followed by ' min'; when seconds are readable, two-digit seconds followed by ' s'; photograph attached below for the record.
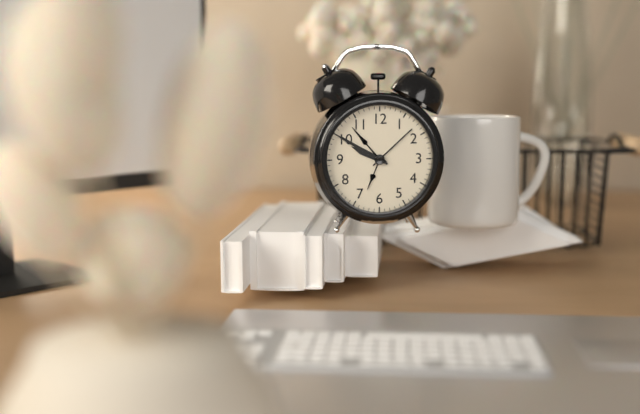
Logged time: 9 h 50 min
